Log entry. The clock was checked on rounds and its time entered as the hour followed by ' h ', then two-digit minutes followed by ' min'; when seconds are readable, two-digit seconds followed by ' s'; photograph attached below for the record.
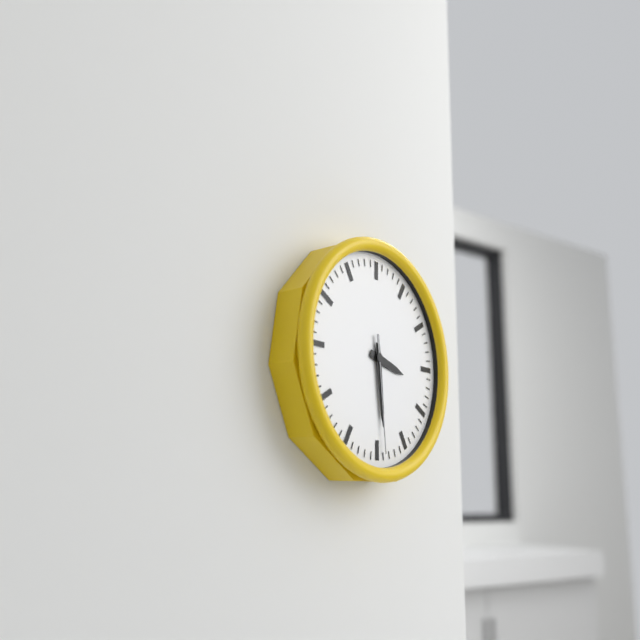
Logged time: 3 h 29 min 29 s
